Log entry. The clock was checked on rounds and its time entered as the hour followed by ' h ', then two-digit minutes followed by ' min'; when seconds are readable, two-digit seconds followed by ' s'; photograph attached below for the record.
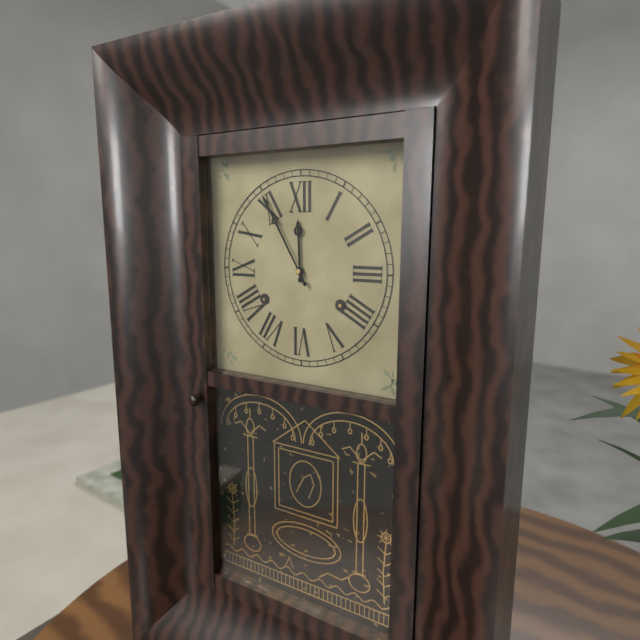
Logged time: 11 h 55 min
